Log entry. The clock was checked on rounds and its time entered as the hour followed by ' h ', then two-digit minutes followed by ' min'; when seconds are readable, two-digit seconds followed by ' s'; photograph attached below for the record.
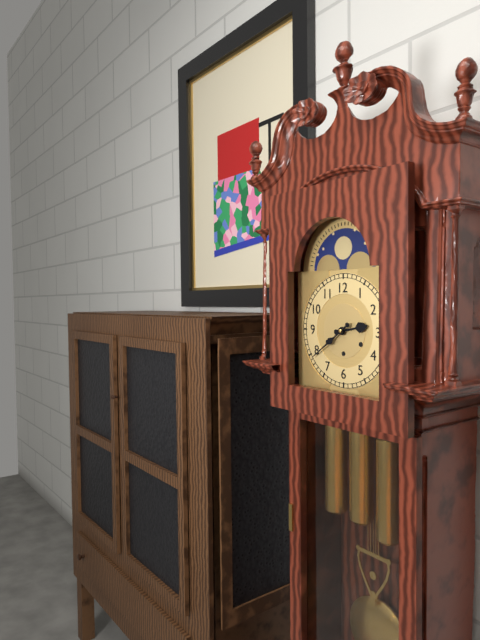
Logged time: 2 h 39 min
